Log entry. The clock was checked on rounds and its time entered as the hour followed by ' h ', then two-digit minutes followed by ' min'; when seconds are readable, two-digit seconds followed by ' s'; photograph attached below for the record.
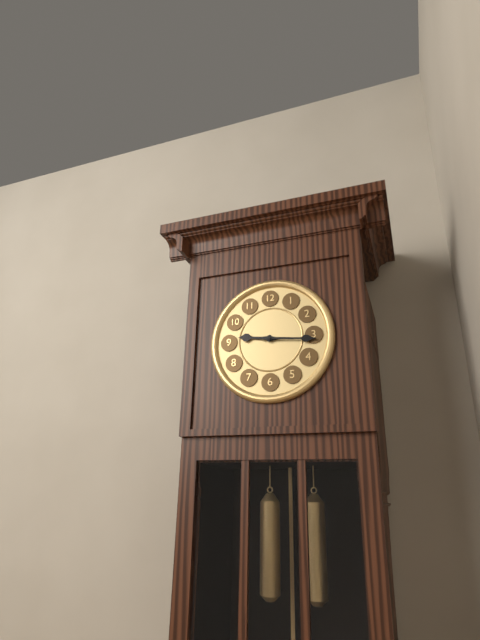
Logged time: 9 h 16 min
